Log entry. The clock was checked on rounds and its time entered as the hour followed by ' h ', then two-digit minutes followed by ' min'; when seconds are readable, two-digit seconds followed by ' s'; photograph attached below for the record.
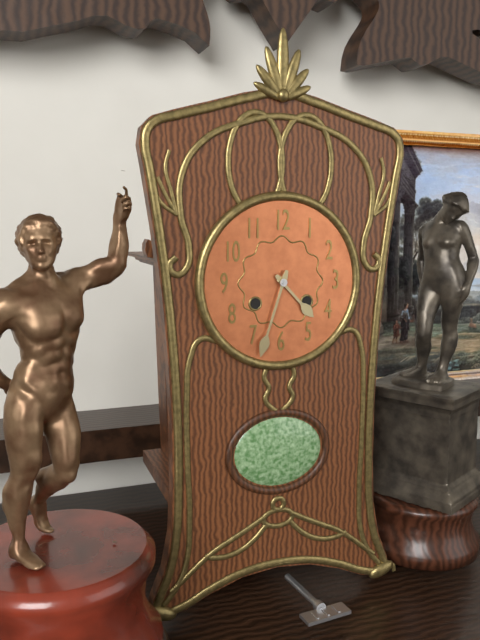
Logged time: 4 h 33 min
